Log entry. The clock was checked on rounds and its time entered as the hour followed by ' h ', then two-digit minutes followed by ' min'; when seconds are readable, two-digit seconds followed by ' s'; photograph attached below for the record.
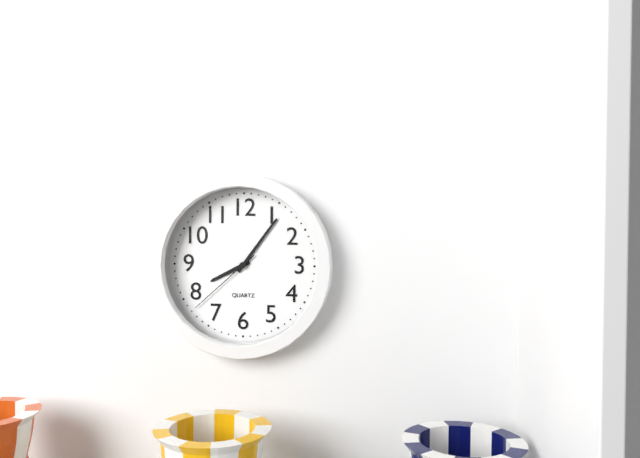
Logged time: 8 h 06 min 38 s
